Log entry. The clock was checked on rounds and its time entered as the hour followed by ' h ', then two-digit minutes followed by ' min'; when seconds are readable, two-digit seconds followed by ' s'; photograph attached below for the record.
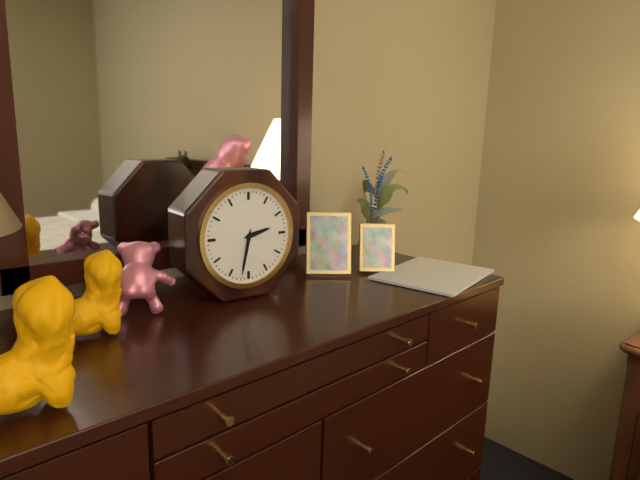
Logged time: 2 h 32 min
